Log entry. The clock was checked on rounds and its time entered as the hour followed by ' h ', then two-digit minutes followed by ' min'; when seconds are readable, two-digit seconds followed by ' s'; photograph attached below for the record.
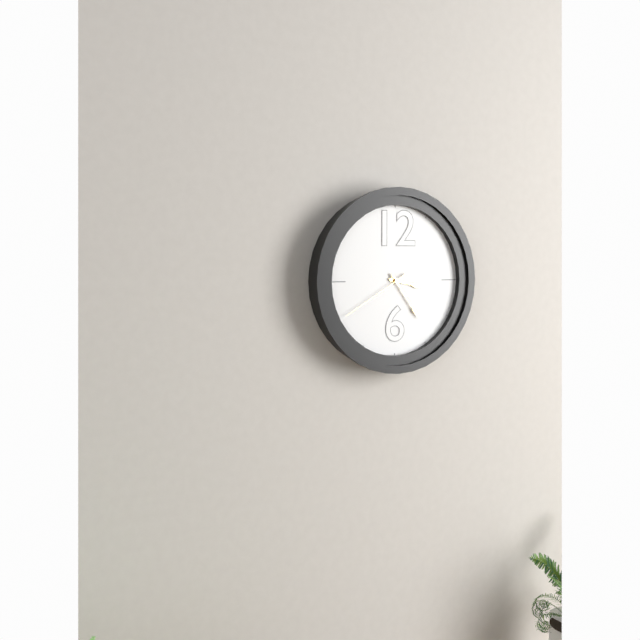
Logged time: 3 h 24 min 40 s
